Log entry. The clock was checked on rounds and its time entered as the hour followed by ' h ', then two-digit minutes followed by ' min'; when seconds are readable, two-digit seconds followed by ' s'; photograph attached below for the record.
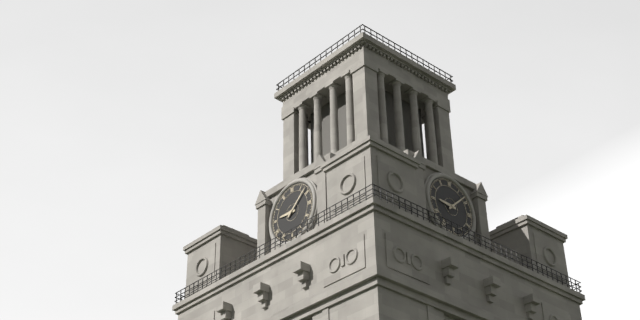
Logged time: 9 h 08 min
